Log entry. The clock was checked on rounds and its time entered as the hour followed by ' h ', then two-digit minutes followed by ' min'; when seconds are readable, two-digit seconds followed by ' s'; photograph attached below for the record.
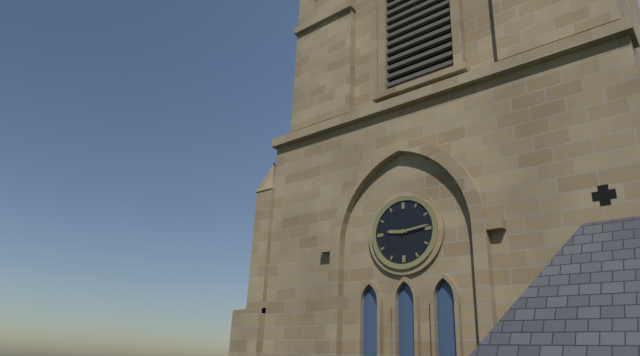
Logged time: 9 h 14 min
